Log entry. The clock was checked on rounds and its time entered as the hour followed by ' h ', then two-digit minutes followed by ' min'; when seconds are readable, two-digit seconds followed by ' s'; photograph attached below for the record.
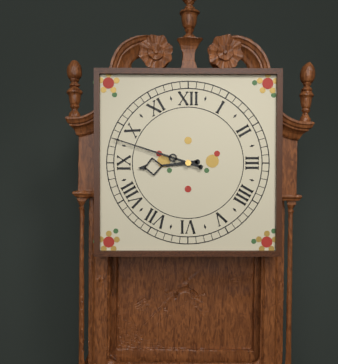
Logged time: 8 h 48 min
